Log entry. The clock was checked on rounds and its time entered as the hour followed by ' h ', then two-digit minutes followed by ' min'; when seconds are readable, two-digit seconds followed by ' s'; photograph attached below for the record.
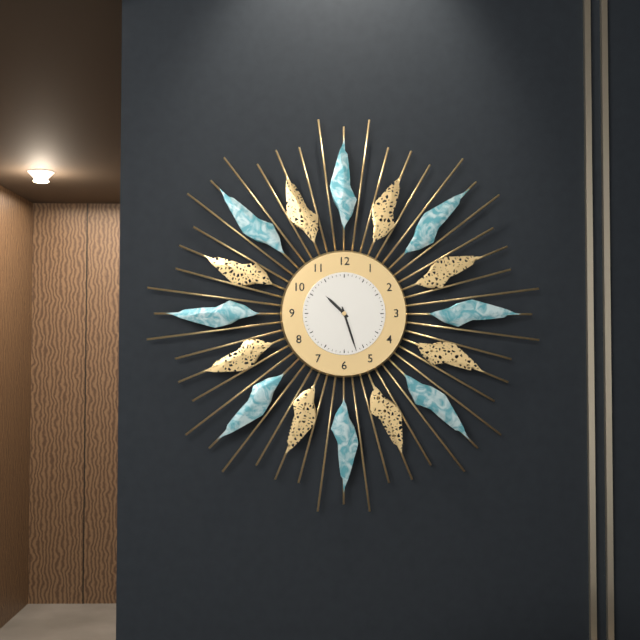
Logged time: 10 h 27 min
